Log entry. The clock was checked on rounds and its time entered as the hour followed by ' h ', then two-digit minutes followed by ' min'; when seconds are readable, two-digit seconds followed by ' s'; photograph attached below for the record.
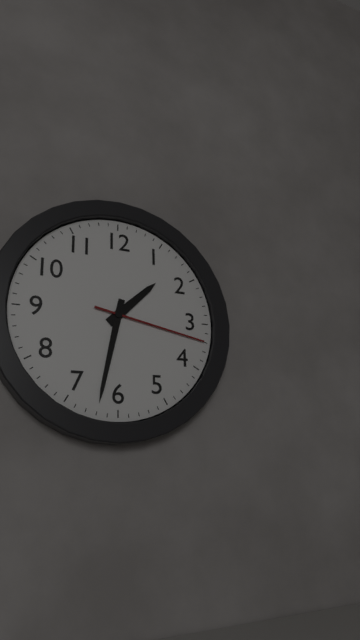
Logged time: 1 h 32 min 17 s
